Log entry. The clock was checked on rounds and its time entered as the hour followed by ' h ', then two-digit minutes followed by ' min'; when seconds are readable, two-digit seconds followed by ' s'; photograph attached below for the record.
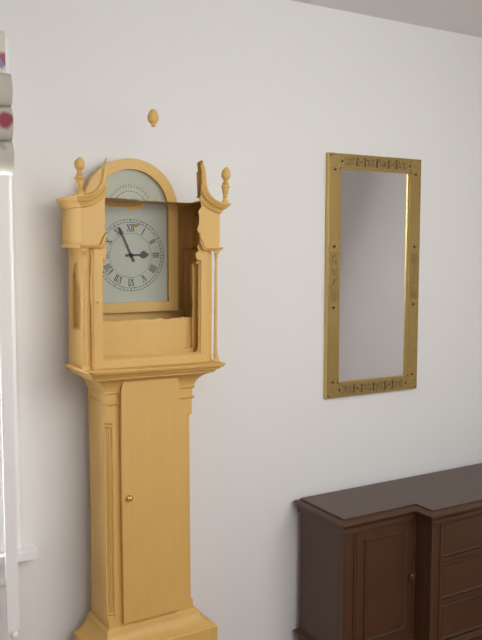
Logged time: 2 h 56 min
